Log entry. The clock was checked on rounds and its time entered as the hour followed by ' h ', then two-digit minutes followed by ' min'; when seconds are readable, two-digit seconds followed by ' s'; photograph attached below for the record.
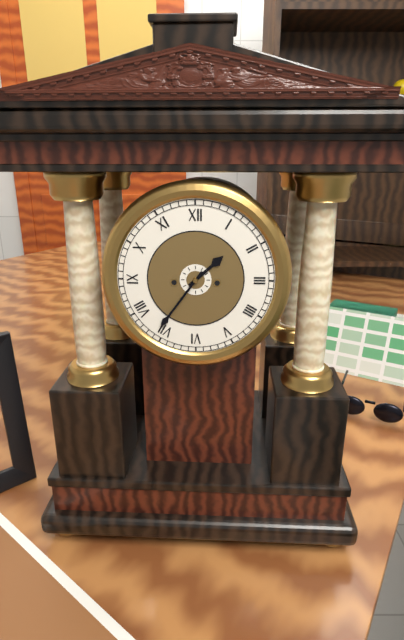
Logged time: 1 h 36 min
